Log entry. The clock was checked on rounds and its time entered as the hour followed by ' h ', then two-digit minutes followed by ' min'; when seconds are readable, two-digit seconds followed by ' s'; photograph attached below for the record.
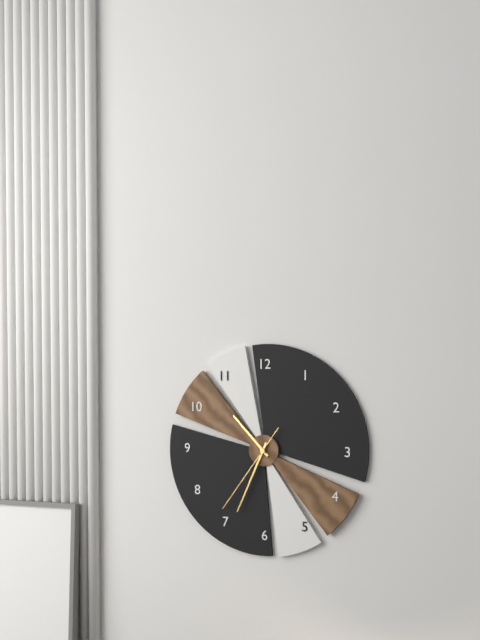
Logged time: 10 h 34 min 36 s
